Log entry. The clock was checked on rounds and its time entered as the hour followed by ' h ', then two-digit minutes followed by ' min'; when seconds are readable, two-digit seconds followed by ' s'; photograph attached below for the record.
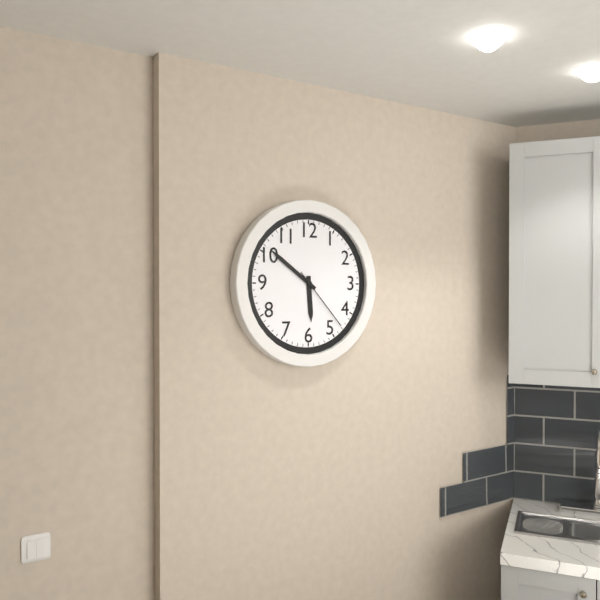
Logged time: 5 h 51 min 23 s
